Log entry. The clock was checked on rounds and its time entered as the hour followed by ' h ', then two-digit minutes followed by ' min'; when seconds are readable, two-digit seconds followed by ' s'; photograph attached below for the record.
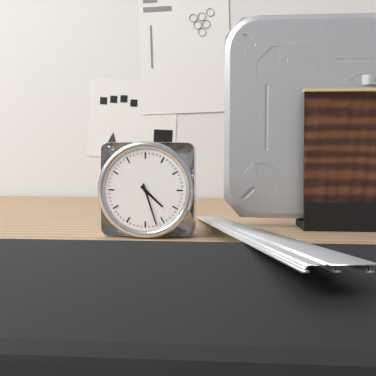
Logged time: 4 h 27 min
